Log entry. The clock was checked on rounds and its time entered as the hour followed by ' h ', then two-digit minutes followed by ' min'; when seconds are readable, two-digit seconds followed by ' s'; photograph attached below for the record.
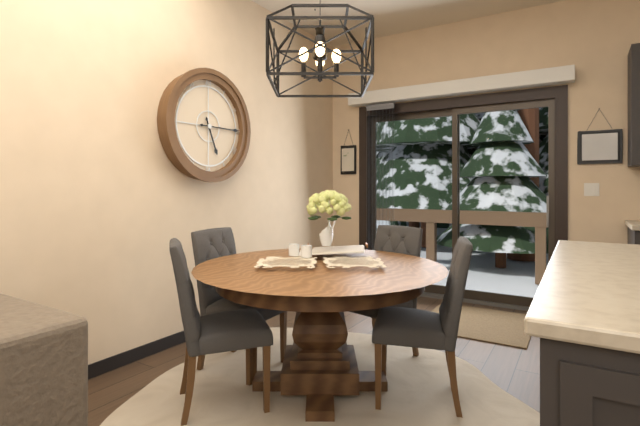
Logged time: 5 h 15 min
